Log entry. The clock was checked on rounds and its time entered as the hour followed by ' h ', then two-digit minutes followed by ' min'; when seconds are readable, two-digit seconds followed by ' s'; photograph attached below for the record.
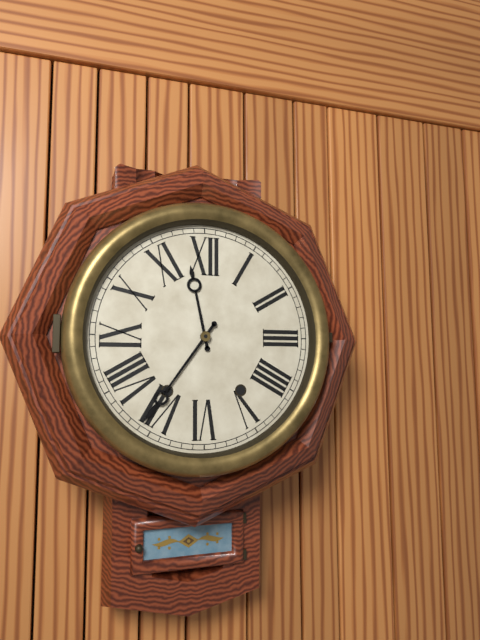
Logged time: 11 h 36 min
